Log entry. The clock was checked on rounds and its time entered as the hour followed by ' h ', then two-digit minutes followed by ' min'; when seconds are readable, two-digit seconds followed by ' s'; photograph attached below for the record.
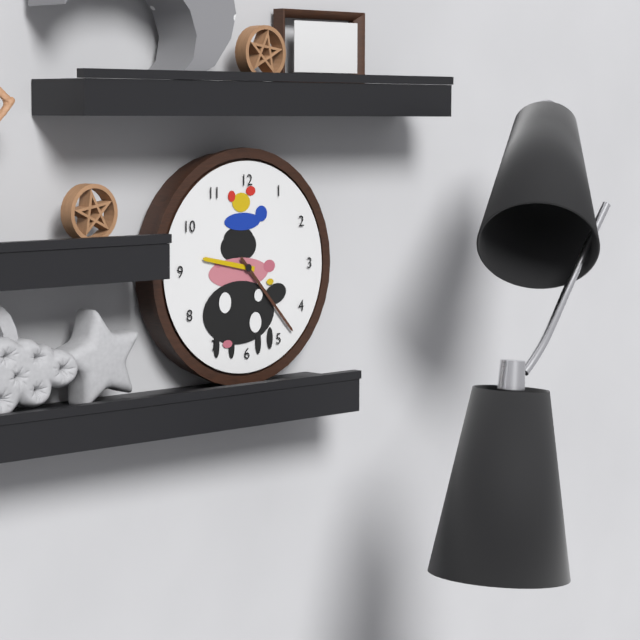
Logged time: 9 h 23 min
